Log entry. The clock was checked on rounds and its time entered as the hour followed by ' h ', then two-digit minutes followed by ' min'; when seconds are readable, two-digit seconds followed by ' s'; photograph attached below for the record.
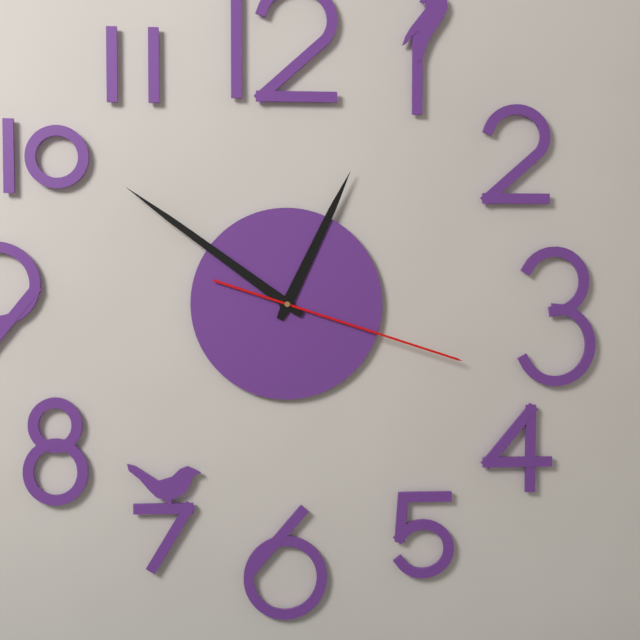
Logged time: 12 h 51 min 18 s
